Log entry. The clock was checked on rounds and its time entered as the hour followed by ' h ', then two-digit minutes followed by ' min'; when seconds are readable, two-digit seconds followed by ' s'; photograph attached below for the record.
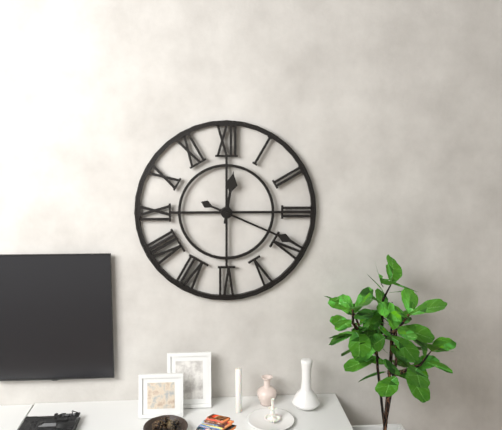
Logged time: 12 h 19 min
